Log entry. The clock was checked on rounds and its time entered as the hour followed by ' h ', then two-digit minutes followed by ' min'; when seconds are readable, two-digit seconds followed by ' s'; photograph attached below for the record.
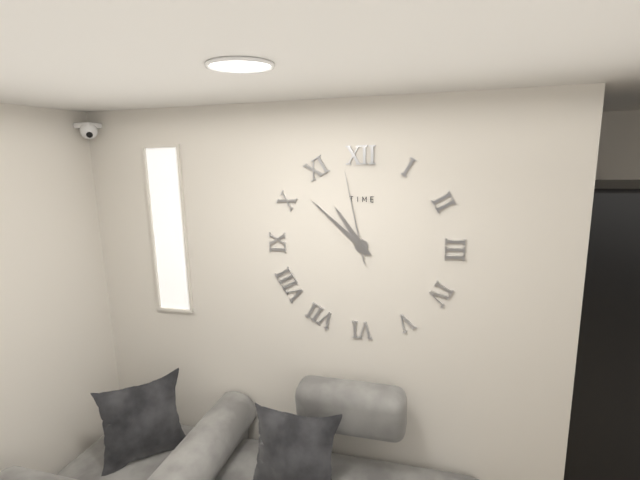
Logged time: 10 h 52 min 58 s
